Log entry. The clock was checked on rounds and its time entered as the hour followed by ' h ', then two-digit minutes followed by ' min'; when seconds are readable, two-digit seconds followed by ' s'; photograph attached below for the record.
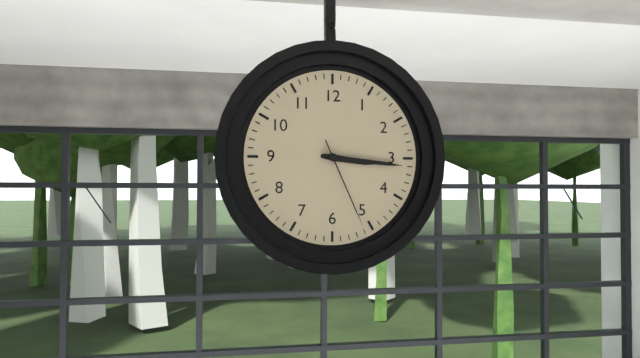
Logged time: 3 h 16 min 26 s
